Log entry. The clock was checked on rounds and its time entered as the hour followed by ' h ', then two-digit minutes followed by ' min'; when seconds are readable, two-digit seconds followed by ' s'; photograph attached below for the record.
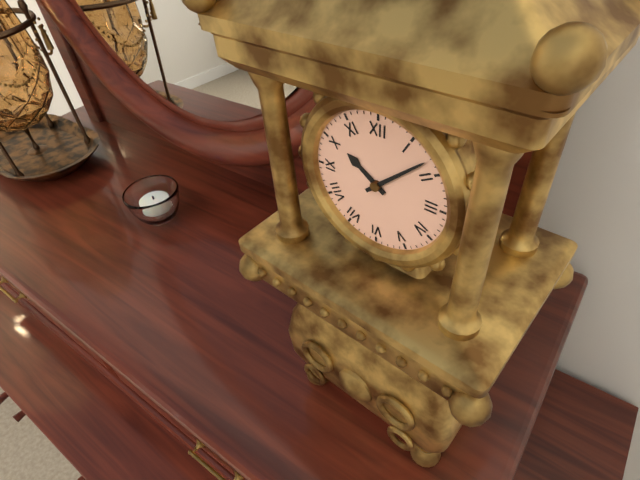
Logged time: 10 h 08 min
